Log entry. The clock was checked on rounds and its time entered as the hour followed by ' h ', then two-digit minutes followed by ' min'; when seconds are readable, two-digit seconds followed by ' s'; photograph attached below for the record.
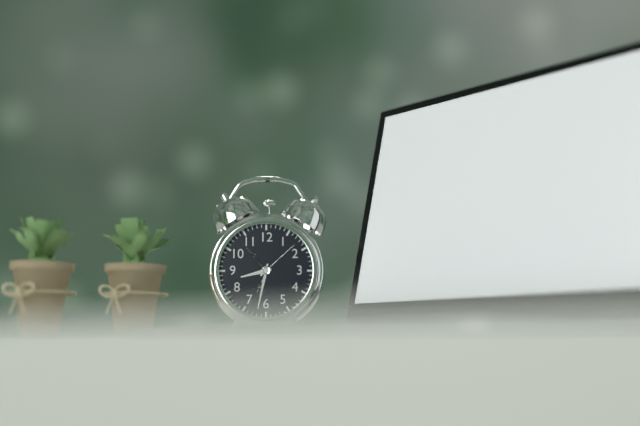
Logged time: 8 h 32 min
